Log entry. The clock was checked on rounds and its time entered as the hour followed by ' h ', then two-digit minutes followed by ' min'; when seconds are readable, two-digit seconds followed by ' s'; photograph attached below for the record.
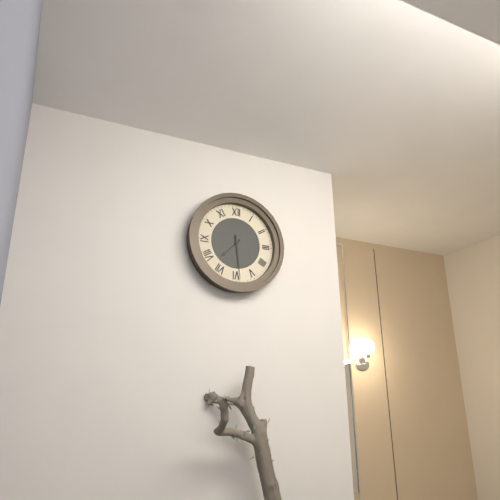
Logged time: 7 h 29 min
